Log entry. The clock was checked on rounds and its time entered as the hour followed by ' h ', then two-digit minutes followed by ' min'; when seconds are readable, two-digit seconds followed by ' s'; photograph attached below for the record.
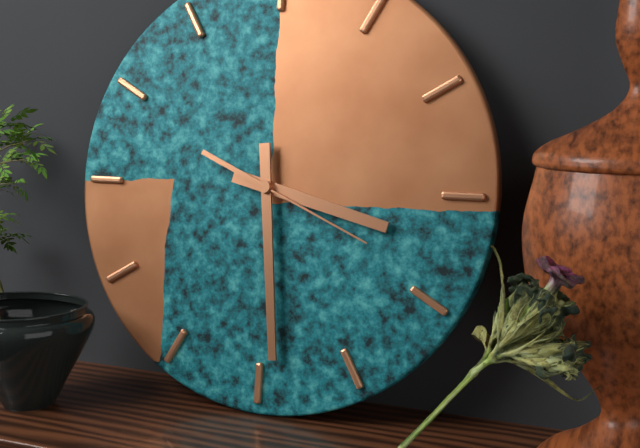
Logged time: 3 h 29 min 19 s
